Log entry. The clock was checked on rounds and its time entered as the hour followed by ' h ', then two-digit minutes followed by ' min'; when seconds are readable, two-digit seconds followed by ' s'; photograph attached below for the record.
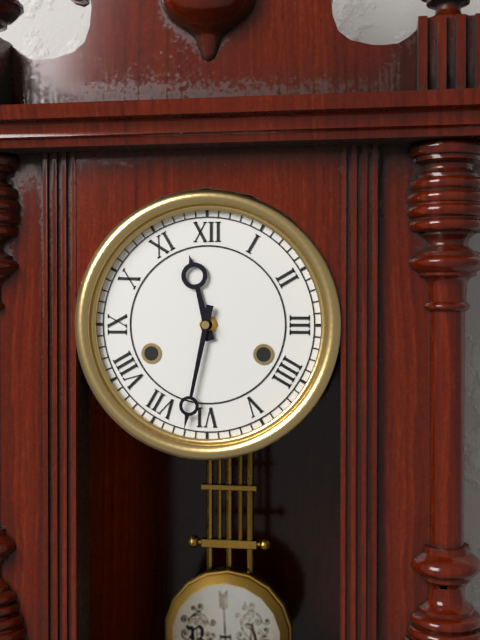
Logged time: 11 h 32 min
